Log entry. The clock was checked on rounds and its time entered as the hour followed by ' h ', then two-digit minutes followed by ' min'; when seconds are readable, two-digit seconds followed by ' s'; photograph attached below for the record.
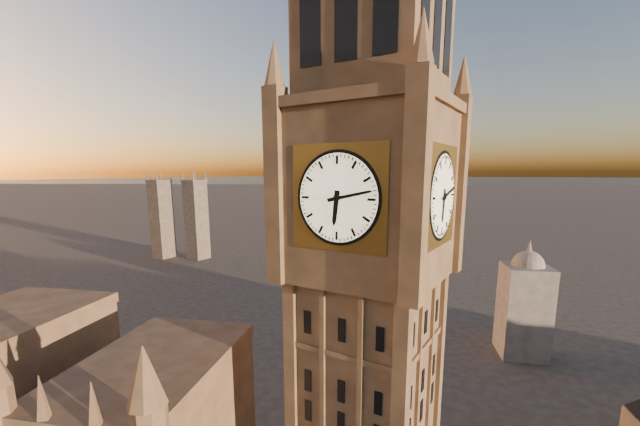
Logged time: 6 h 13 min
